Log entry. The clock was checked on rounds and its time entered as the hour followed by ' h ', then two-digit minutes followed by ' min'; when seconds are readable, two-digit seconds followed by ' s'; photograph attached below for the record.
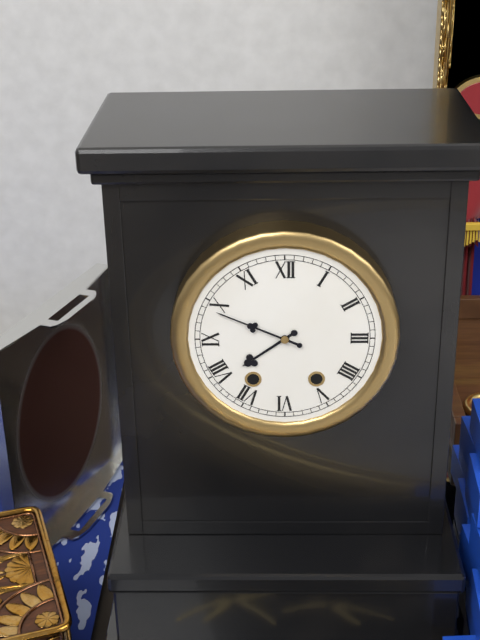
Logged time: 7 h 49 min
